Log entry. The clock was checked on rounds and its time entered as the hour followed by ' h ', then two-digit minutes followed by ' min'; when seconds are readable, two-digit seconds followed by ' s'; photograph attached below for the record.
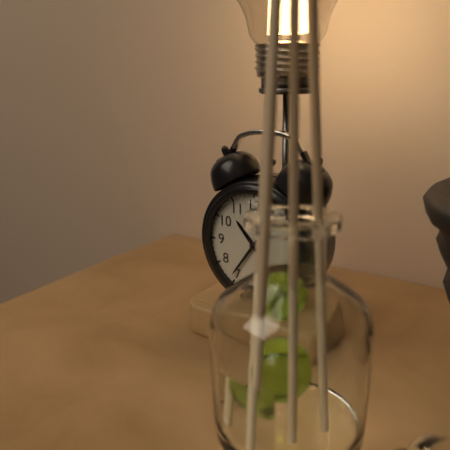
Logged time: 10 h 36 min
